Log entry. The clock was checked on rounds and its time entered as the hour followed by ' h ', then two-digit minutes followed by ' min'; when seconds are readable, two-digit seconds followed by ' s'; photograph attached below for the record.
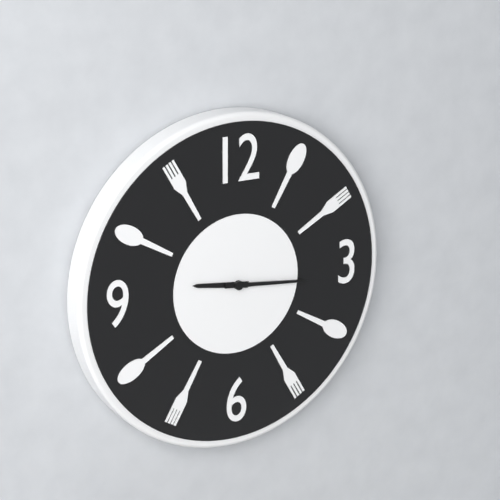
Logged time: 9 h 16 min
